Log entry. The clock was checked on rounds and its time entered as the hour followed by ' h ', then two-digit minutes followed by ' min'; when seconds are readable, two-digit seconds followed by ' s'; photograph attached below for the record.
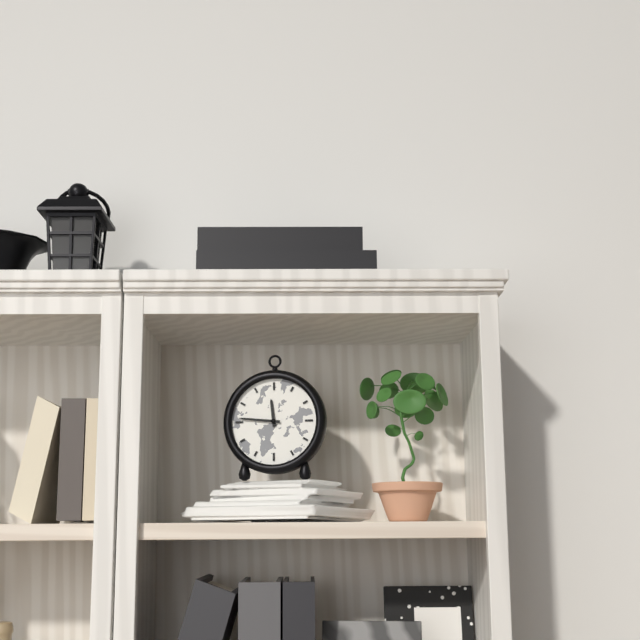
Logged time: 11 h 46 min
